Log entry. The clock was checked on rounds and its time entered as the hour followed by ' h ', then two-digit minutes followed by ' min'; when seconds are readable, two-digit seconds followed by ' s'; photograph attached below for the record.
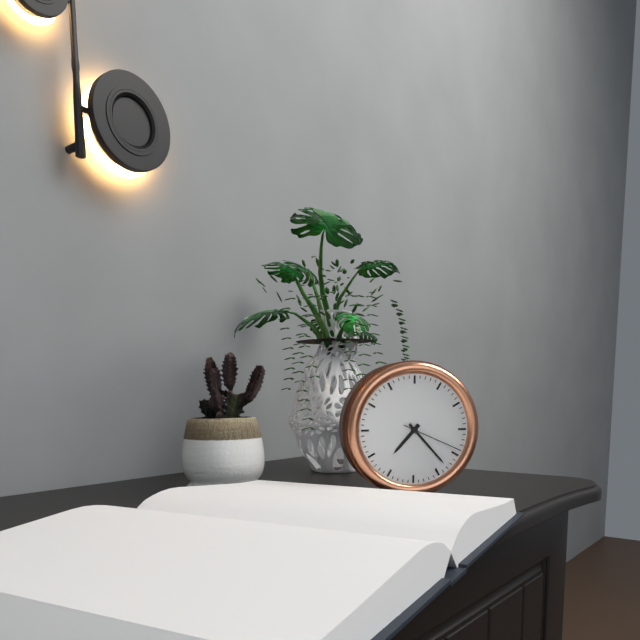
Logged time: 7 h 23 min 19 s
